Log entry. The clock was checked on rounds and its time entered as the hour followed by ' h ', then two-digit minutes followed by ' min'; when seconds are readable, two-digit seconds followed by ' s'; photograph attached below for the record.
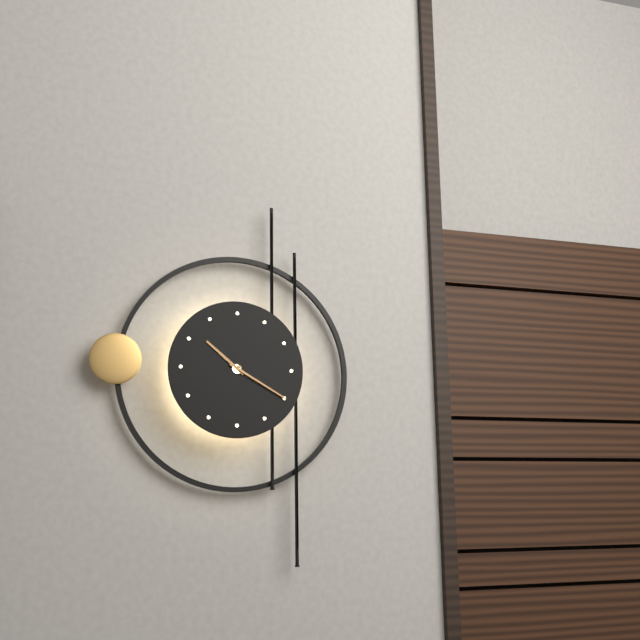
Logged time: 10 h 20 min
